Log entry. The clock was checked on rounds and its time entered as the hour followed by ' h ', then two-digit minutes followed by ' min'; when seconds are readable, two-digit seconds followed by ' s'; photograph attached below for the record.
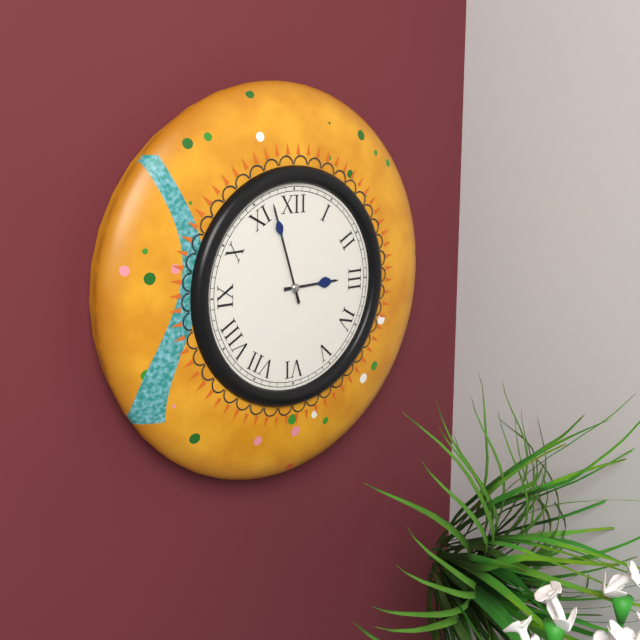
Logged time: 2 h 57 min
